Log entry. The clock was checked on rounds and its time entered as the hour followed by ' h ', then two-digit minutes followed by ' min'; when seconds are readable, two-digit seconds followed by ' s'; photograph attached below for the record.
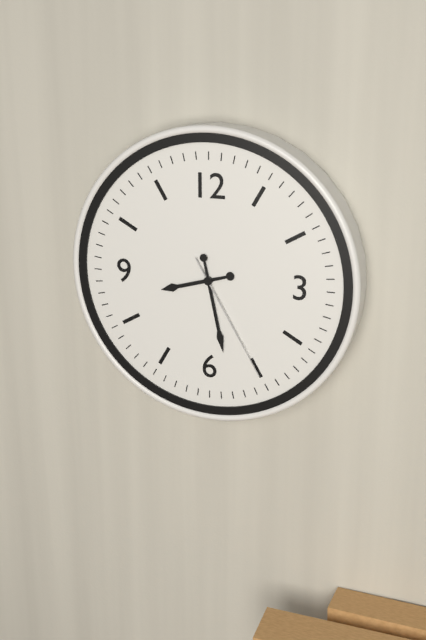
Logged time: 8 h 28 min 25 s
